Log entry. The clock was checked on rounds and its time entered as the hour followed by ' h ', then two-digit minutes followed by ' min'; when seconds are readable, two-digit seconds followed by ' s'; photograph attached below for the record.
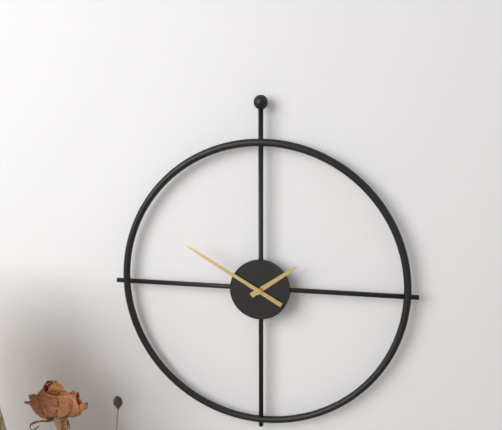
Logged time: 1 h 50 min
